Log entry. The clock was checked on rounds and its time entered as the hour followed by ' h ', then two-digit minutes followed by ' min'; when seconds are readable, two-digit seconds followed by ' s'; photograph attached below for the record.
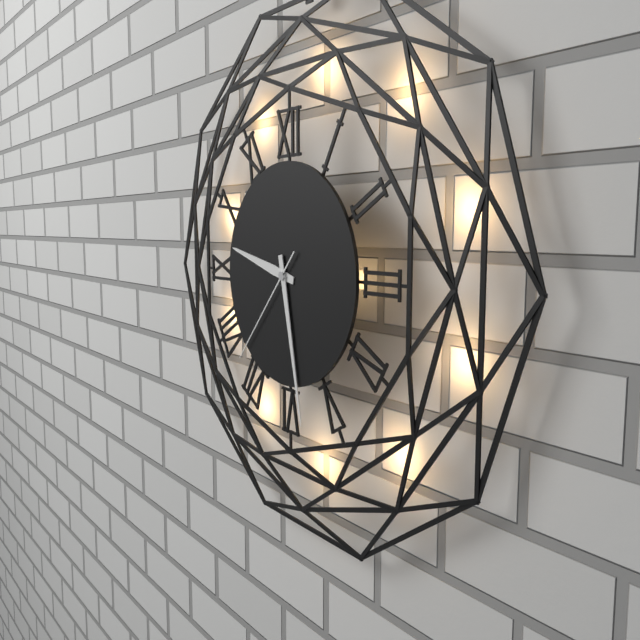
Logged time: 9 h 28 min 37 s
